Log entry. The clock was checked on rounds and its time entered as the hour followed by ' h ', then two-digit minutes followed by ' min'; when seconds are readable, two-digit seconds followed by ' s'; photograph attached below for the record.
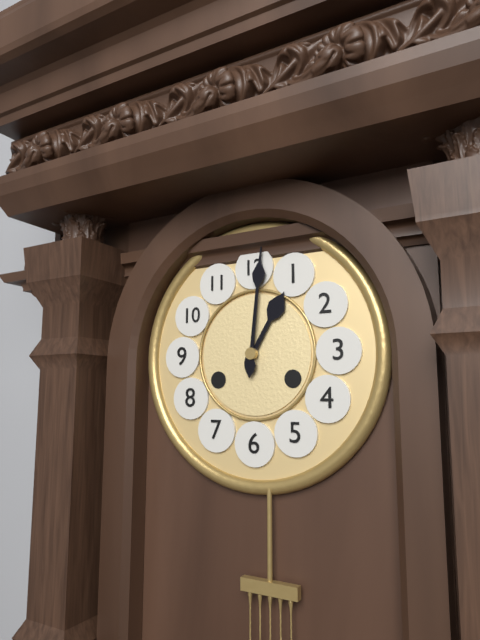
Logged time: 1 h 01 min
